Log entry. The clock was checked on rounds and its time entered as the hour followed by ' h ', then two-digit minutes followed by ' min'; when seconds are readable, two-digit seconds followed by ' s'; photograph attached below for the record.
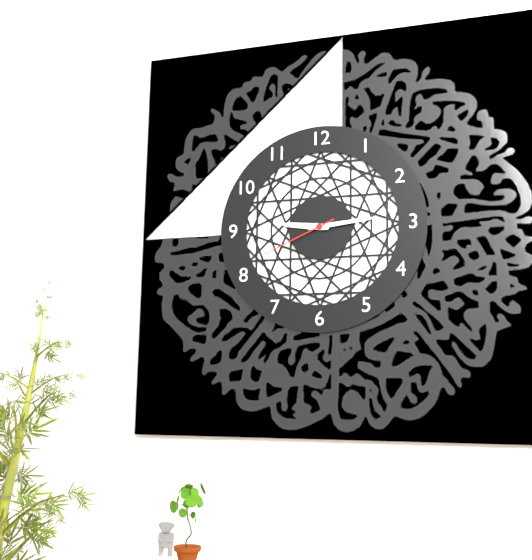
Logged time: 9 h 14 min 41 s
